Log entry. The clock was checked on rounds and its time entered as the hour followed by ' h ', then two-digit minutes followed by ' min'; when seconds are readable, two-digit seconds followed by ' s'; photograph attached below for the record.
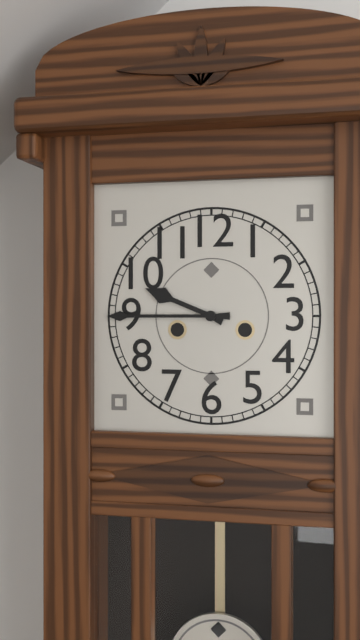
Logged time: 9 h 45 min
